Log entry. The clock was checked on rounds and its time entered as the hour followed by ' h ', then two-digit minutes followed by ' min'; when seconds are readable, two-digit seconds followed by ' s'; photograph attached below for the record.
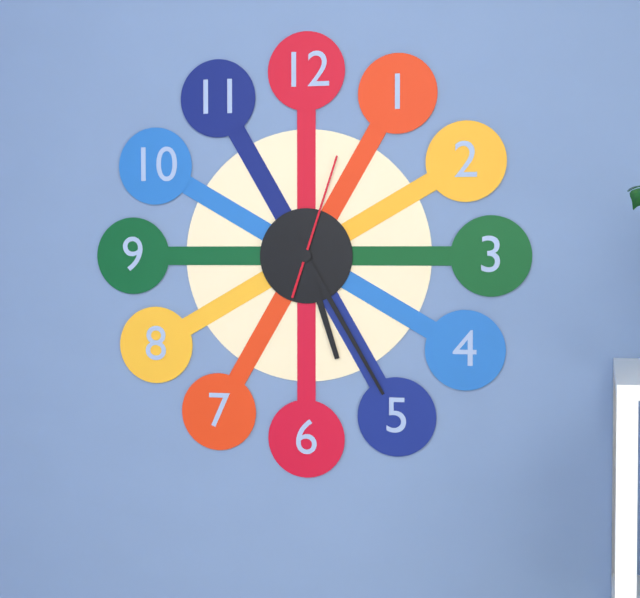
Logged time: 5 h 25 min 03 s
